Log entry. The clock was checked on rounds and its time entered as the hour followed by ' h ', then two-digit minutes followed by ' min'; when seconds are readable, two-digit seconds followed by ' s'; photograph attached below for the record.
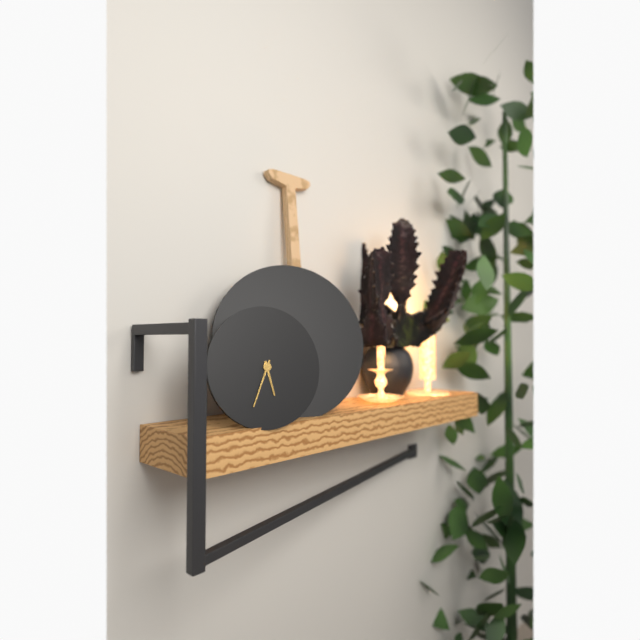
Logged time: 5 h 34 min
